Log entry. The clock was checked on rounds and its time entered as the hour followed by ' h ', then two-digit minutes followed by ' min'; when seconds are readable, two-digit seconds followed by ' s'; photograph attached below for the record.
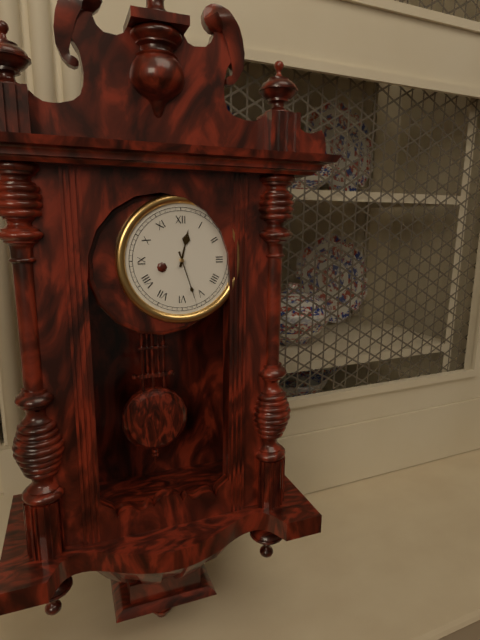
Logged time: 12 h 27 min
